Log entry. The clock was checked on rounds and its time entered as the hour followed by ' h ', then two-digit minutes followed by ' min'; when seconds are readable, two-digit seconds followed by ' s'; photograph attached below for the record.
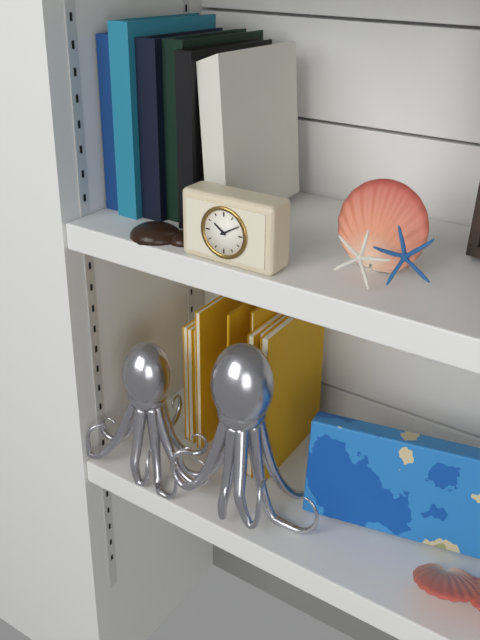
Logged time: 10 h 10 min
